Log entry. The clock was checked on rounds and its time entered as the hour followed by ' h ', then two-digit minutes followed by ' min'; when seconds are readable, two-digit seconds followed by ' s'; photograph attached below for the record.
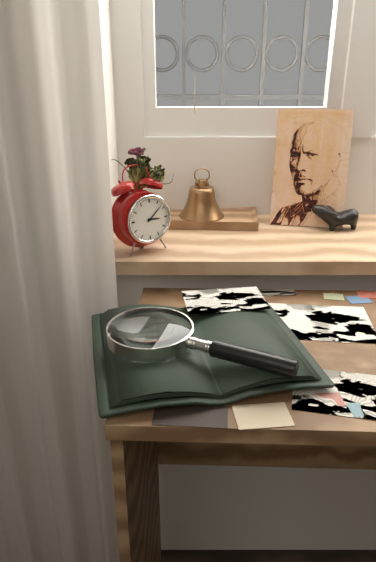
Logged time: 3 h 08 min
